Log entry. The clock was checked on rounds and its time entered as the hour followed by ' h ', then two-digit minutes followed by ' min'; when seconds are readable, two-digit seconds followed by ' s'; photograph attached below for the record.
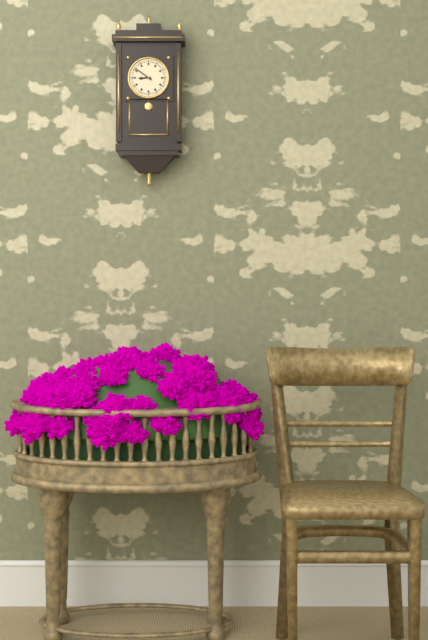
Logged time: 8 h 51 min
